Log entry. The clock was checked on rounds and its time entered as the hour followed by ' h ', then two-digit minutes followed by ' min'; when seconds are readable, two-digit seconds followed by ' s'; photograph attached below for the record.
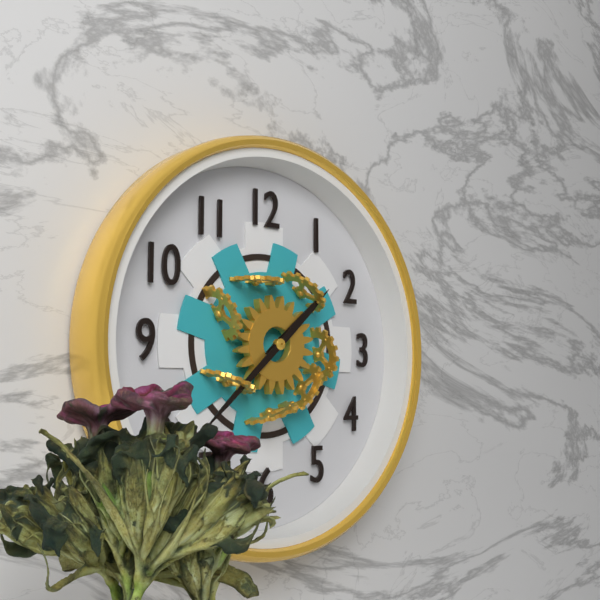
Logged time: 1 h 38 min
